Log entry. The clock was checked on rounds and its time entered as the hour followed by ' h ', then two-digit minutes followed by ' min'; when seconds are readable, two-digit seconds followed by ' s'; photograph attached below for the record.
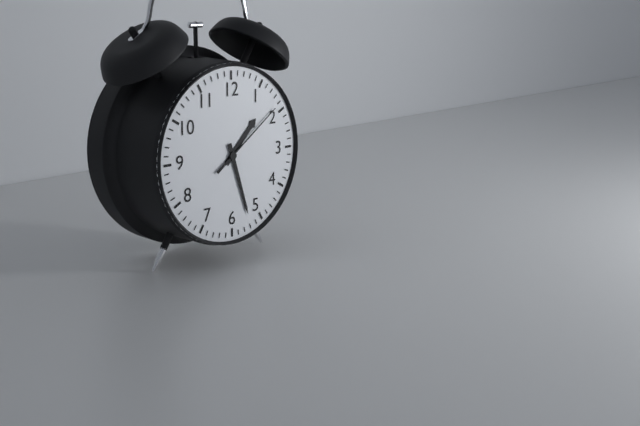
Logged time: 1 h 27 min 09 s
